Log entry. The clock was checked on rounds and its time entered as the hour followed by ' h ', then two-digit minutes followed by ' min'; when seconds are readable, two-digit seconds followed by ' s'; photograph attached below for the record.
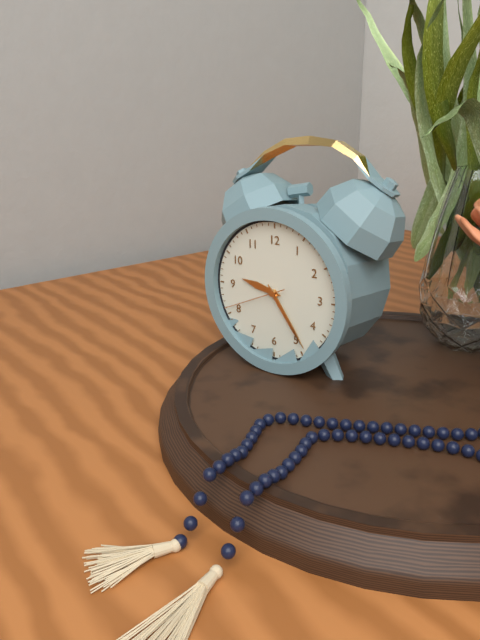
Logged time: 9 h 24 min 41 s
